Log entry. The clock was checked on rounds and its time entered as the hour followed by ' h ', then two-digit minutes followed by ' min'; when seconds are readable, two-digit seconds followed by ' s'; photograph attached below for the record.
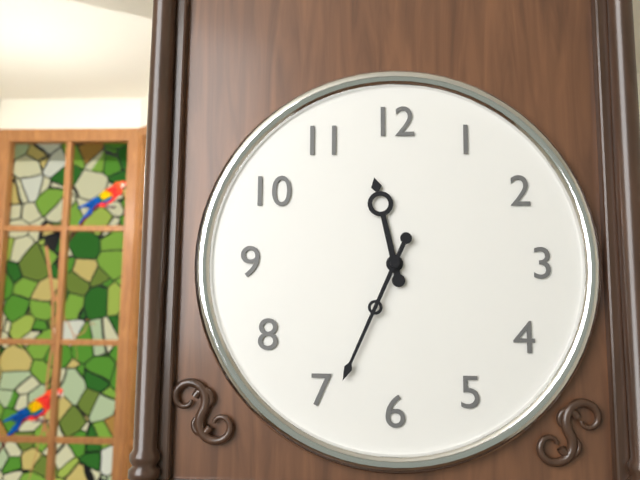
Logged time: 11 h 34 min
